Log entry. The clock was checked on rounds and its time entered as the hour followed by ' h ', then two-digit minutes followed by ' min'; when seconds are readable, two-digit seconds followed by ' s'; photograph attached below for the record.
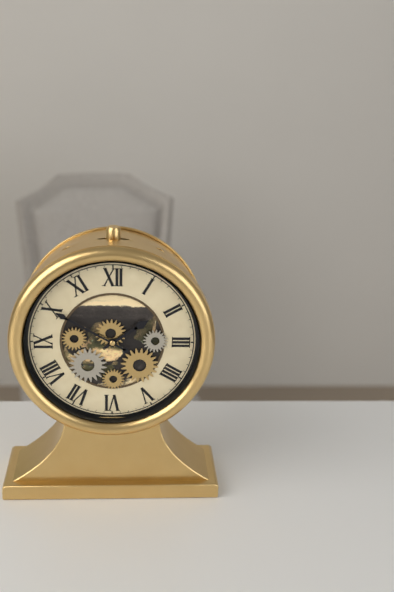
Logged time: 1 h 50 min
